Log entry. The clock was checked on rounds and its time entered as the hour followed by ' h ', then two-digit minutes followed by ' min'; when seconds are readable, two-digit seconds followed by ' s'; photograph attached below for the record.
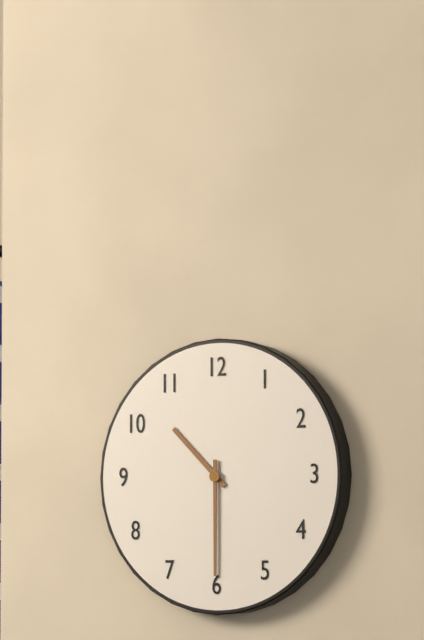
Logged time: 10 h 30 min
